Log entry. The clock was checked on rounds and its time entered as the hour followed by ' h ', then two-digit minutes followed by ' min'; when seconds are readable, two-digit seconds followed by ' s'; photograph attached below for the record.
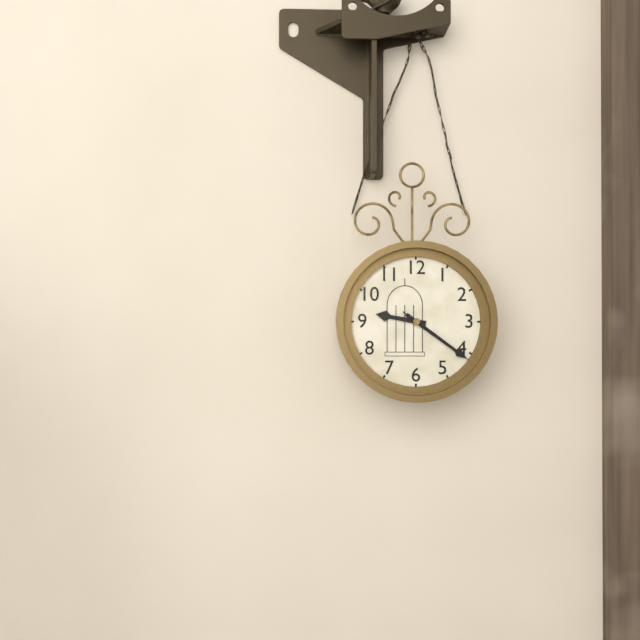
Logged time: 9 h 21 min 21 s
